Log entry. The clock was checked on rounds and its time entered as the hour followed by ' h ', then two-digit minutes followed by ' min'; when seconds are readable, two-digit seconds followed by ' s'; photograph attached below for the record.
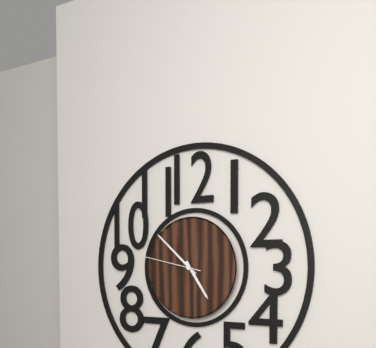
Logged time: 4 h 52 min 47 s
